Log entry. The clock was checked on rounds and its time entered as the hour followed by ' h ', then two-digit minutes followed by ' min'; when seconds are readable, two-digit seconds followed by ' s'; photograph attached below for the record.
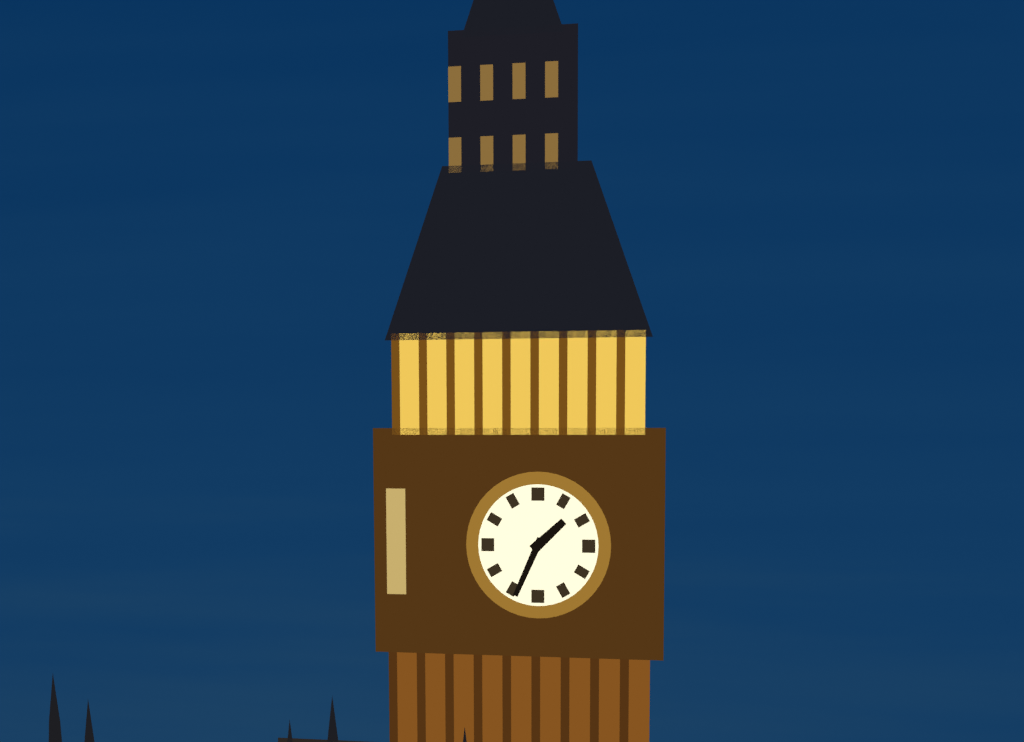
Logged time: 1 h 34 min
